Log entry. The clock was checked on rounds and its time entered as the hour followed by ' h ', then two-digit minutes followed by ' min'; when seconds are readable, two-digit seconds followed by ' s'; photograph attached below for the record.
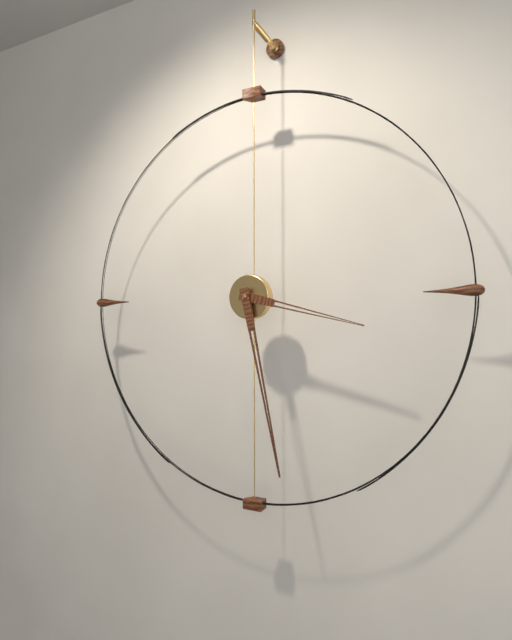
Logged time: 3 h 28 min
